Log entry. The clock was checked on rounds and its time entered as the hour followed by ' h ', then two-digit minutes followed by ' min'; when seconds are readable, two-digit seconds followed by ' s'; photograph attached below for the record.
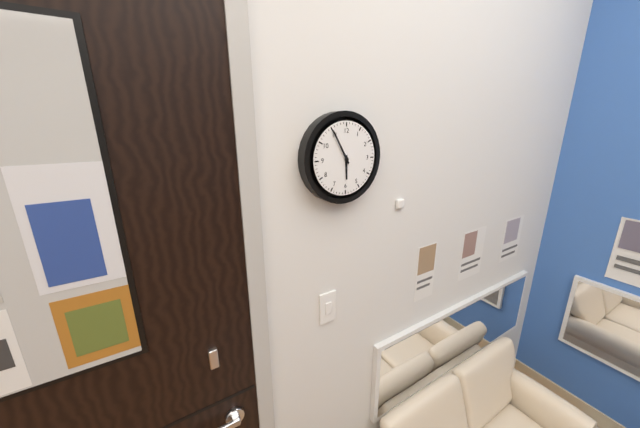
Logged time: 5 h 55 min
